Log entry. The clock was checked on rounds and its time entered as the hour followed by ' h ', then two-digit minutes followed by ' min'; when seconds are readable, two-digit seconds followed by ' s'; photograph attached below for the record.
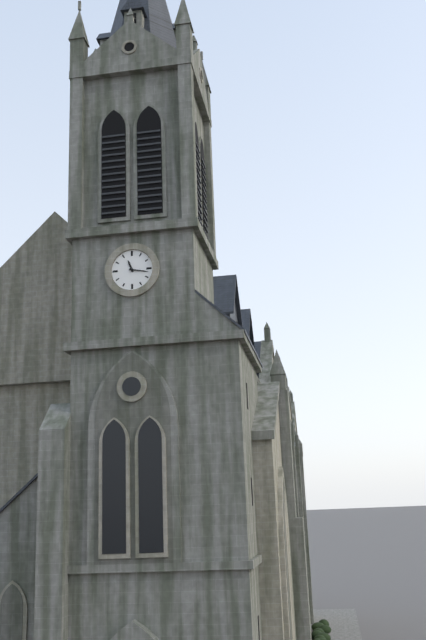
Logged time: 11 h 17 min
